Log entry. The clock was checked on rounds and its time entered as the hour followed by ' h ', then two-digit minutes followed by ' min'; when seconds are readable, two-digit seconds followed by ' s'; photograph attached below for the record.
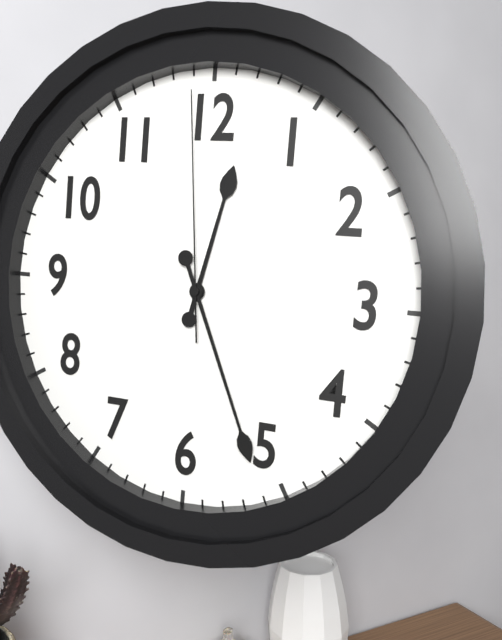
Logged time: 12 h 26 min 59 s
